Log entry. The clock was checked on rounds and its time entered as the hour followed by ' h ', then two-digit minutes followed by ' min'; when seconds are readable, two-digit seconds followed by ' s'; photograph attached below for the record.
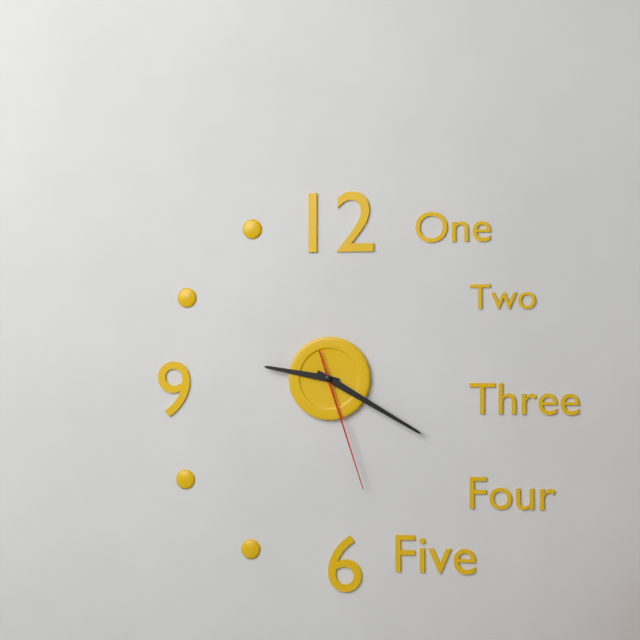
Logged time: 9 h 20 min 27 s
